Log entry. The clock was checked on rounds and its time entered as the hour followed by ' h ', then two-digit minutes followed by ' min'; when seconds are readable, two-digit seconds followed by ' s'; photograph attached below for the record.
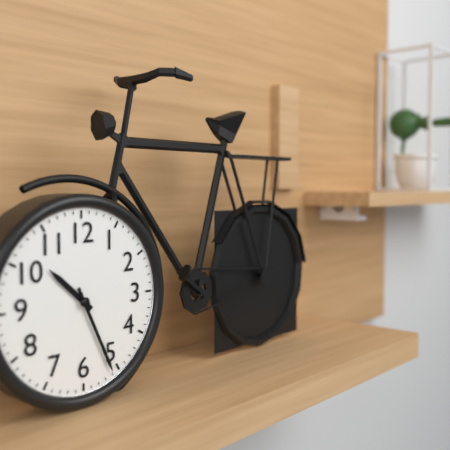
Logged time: 10 h 26 min
